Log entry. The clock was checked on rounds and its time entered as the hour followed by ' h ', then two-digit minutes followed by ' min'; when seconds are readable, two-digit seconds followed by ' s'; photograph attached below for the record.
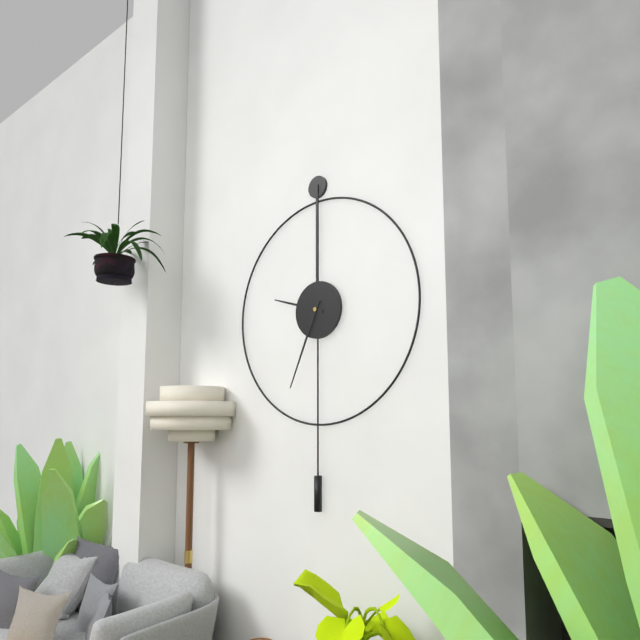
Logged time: 9 h 34 min
